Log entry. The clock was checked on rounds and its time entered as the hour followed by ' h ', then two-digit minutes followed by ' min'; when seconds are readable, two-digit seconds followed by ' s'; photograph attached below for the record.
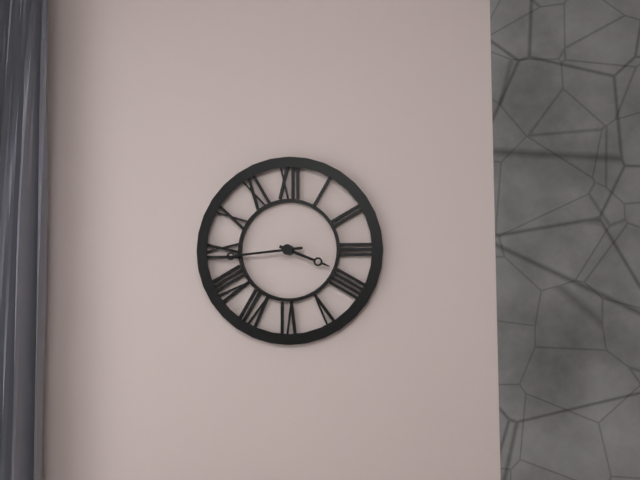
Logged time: 3 h 44 min
